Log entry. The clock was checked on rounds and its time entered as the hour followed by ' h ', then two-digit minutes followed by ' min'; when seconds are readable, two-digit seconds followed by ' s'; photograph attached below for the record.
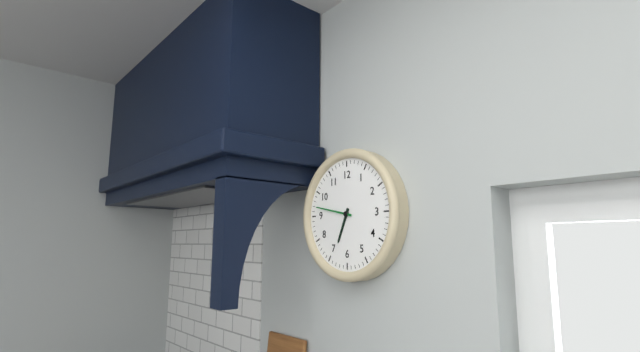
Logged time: 6 h 47 min
